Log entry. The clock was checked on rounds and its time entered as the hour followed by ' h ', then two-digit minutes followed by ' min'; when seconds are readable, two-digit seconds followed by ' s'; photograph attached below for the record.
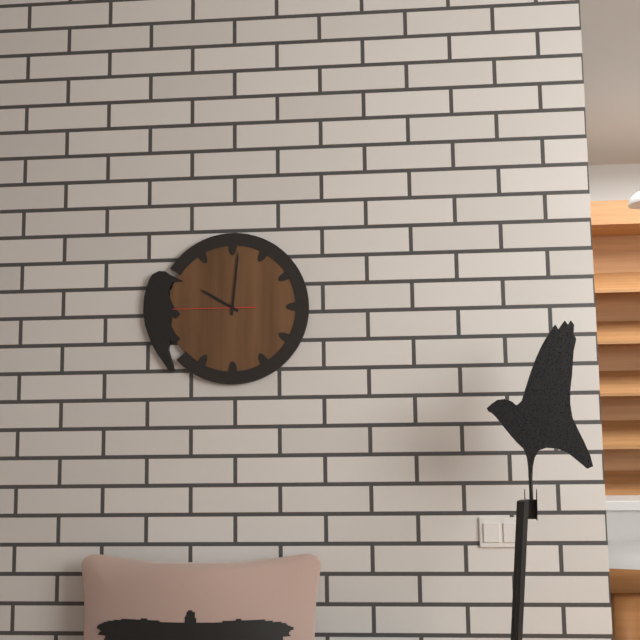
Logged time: 10 h 01 min 45 s
